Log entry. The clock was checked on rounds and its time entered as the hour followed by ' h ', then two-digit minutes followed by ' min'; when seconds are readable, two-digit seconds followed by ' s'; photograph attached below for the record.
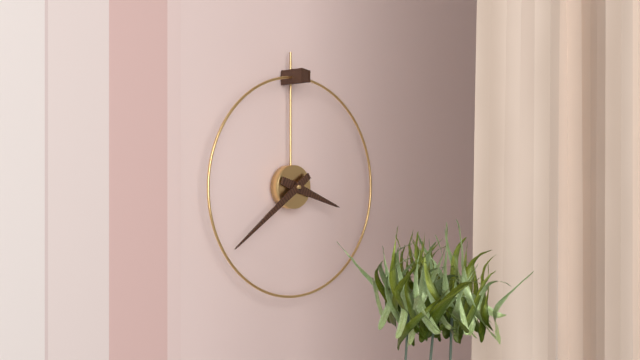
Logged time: 3 h 39 min
